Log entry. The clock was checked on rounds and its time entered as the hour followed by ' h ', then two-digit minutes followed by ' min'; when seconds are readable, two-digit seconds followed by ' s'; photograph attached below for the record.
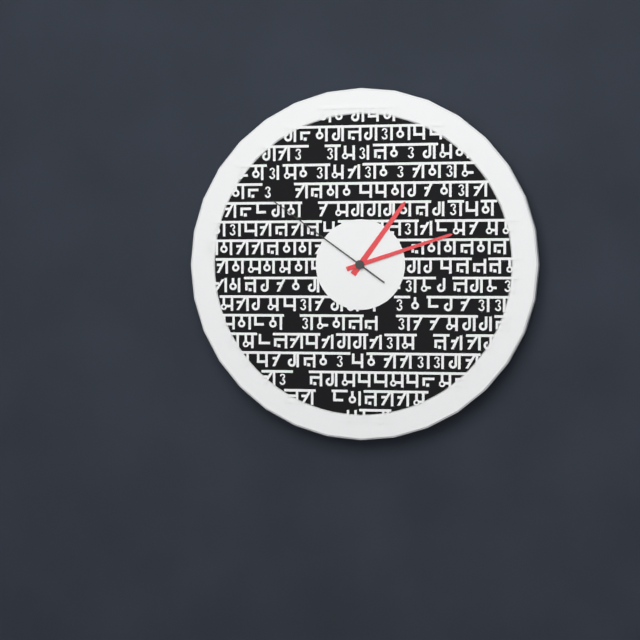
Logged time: 1 h 12 min 51 s
